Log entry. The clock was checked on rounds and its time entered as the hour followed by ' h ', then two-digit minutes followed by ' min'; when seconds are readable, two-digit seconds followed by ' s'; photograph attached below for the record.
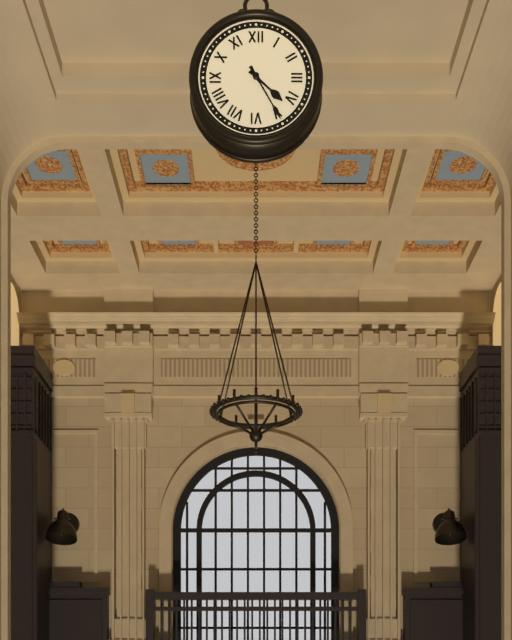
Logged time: 4 h 25 min
